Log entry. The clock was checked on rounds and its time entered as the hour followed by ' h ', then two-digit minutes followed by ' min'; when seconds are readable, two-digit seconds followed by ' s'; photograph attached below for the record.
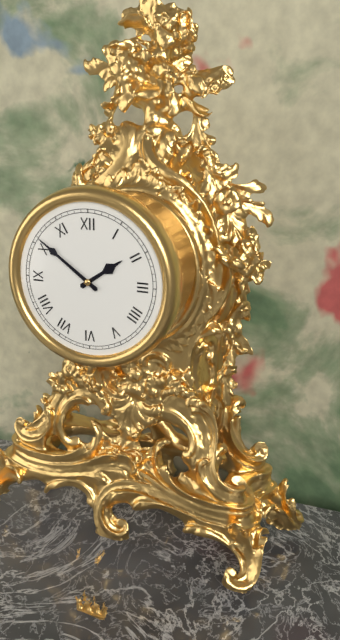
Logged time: 1 h 51 min
